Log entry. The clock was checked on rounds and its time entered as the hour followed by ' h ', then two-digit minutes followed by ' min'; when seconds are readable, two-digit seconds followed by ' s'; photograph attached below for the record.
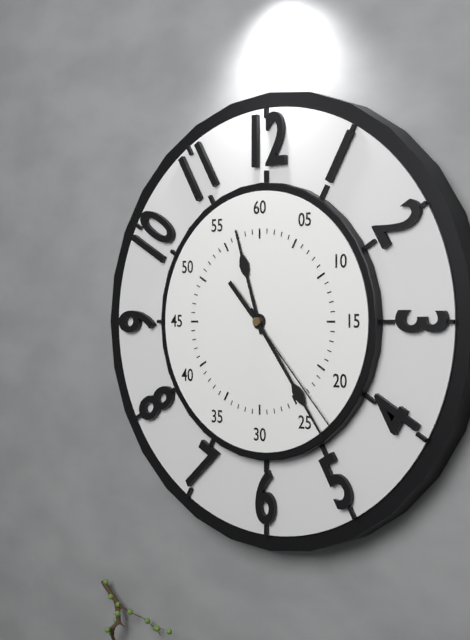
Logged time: 11 h 24 min 23 s
